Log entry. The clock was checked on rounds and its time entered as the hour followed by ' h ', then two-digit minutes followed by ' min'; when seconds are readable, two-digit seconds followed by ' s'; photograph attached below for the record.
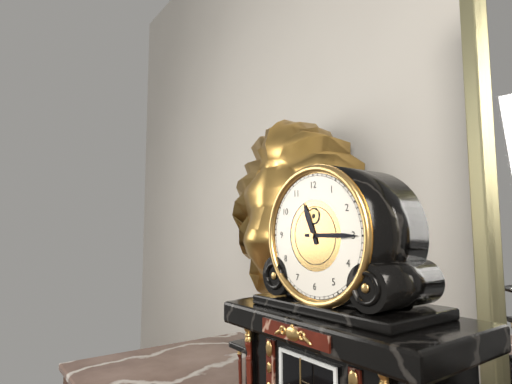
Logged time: 11 h 15 min
